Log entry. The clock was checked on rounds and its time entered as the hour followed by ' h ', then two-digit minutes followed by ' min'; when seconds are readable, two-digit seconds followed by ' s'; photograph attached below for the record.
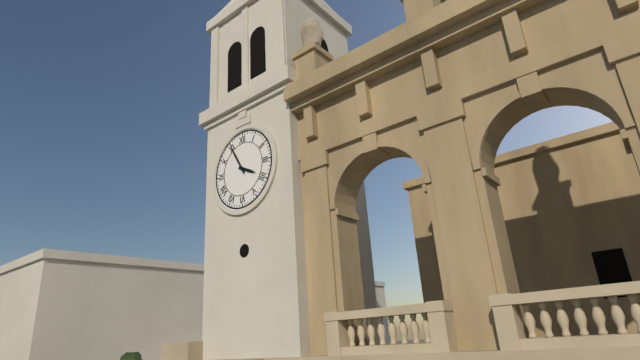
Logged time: 3 h 55 min
